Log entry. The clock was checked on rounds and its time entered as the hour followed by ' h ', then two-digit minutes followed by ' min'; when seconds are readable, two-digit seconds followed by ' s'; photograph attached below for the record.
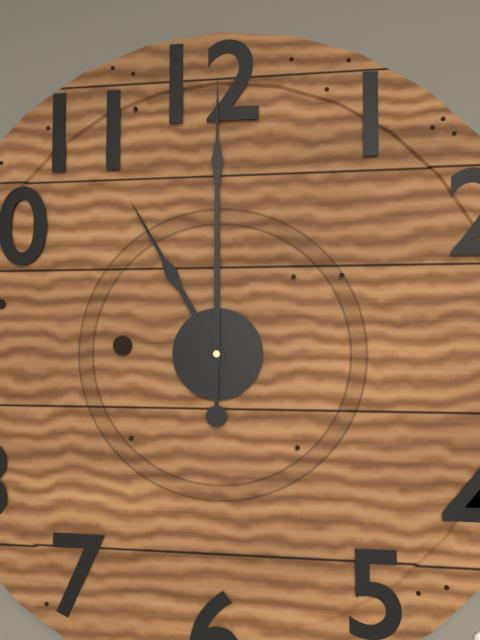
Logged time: 11 h 00 min
